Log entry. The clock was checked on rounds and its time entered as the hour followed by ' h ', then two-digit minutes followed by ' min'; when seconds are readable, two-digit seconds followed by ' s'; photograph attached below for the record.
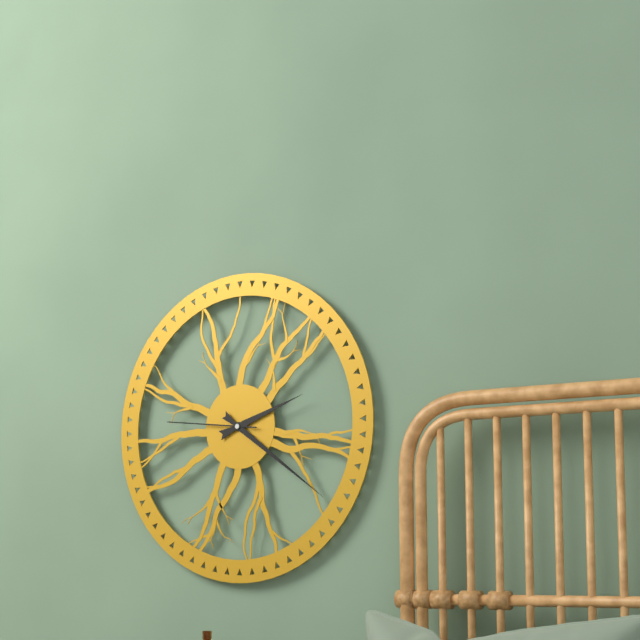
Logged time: 2 h 21 min 46 s
